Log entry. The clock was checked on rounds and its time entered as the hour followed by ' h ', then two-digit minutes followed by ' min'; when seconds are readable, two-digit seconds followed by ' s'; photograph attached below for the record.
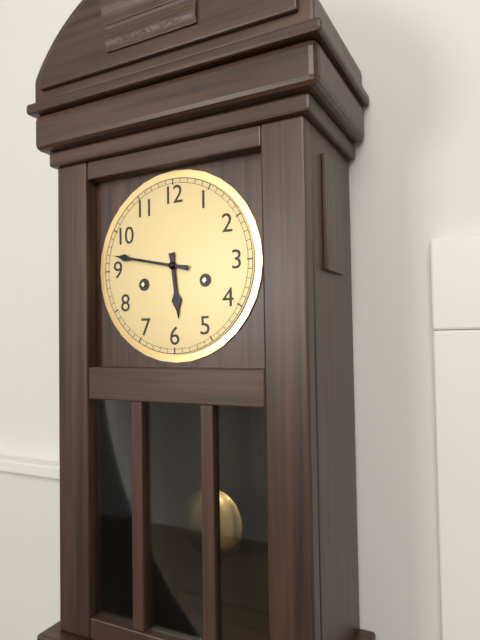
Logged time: 5 h 47 min
